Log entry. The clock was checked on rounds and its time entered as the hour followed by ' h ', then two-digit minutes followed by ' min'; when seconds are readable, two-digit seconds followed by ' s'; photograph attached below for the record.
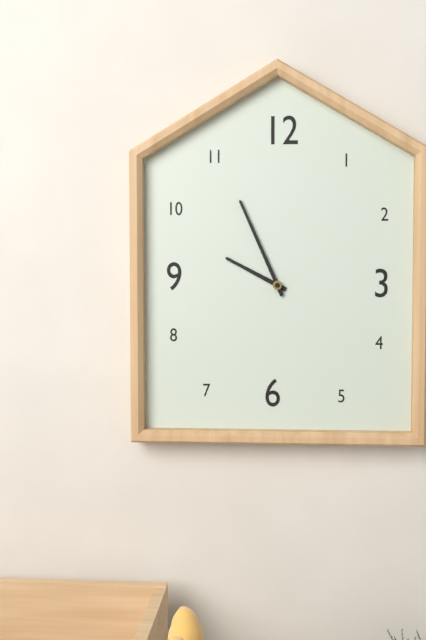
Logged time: 9 h 56 min
